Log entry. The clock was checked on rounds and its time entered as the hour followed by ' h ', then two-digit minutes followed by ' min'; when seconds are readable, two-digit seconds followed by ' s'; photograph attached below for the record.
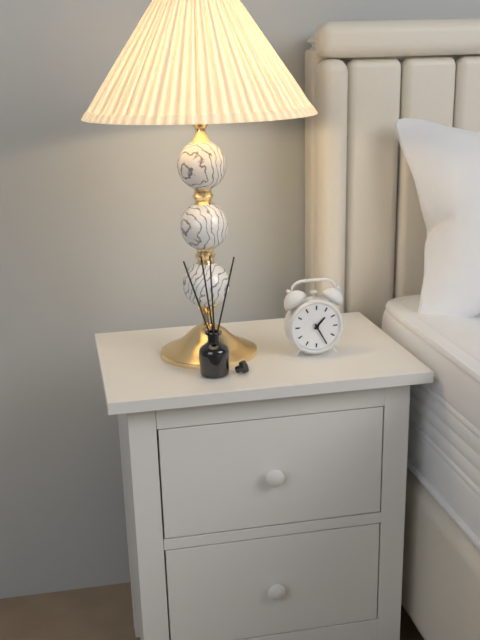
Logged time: 1 h 25 min
